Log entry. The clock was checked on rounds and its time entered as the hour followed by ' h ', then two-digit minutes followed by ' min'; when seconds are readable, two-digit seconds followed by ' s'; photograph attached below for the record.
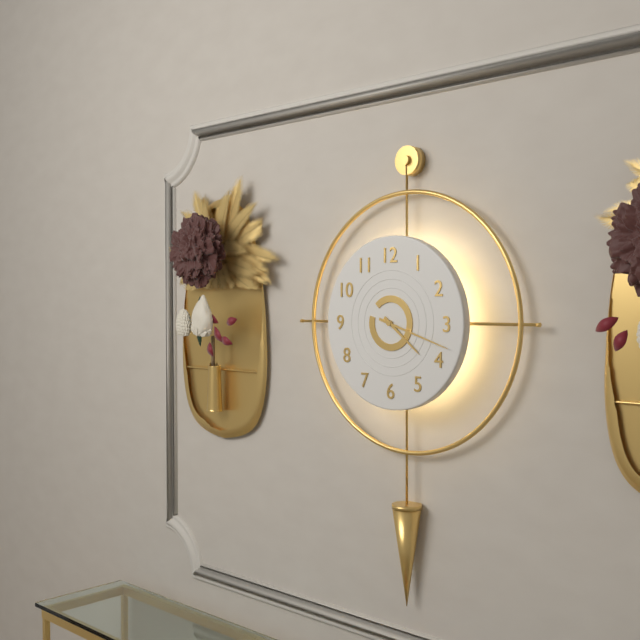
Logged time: 4 h 18 min
